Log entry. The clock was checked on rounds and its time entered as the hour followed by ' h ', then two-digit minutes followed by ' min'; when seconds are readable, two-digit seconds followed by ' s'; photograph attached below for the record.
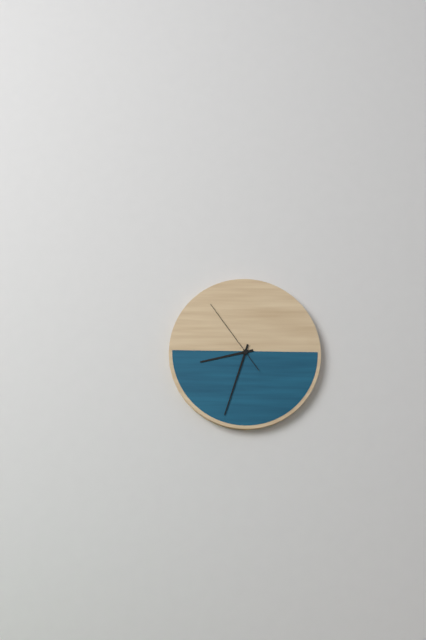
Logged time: 8 h 33 min 54 s
